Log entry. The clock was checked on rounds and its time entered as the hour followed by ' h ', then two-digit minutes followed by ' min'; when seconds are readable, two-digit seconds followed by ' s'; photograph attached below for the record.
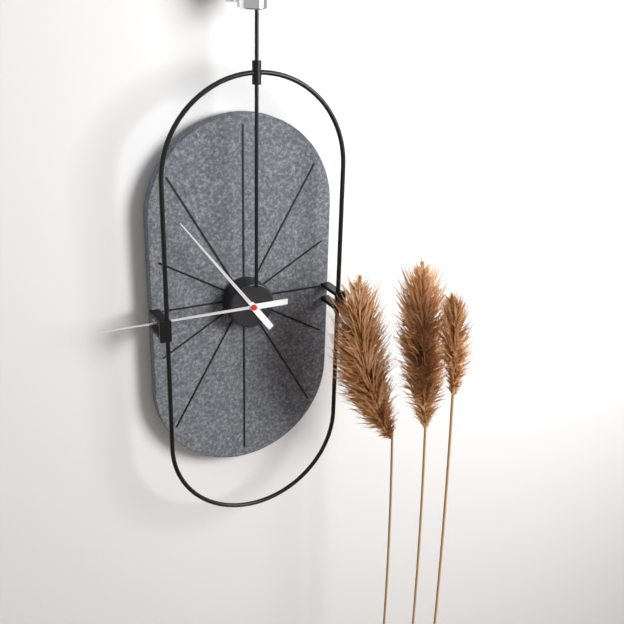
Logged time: 10 h 45 min
